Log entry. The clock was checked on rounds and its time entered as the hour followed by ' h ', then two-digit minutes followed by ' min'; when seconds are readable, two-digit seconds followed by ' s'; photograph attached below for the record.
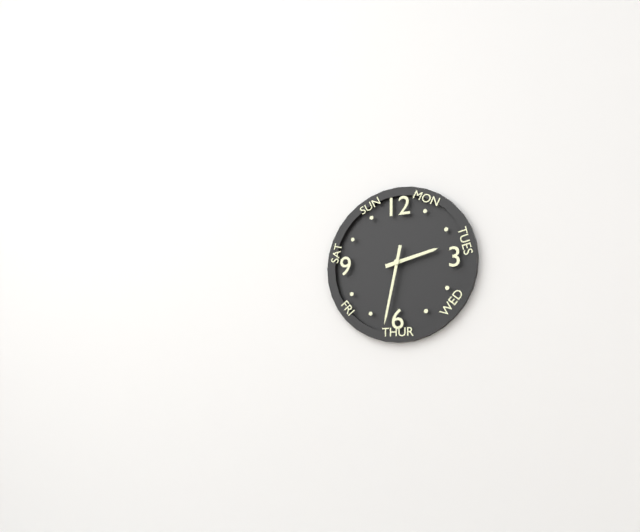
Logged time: 2 h 32 min
